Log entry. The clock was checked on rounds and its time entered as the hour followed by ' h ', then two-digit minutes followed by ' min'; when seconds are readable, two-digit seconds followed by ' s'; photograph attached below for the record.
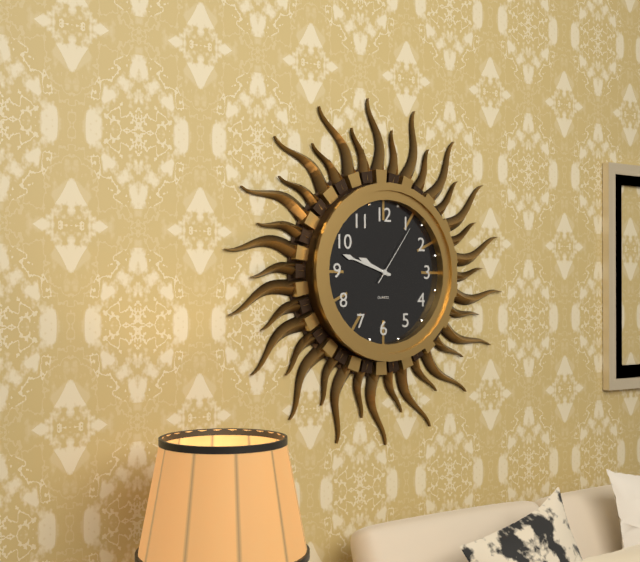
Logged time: 9 h 48 min 06 s
